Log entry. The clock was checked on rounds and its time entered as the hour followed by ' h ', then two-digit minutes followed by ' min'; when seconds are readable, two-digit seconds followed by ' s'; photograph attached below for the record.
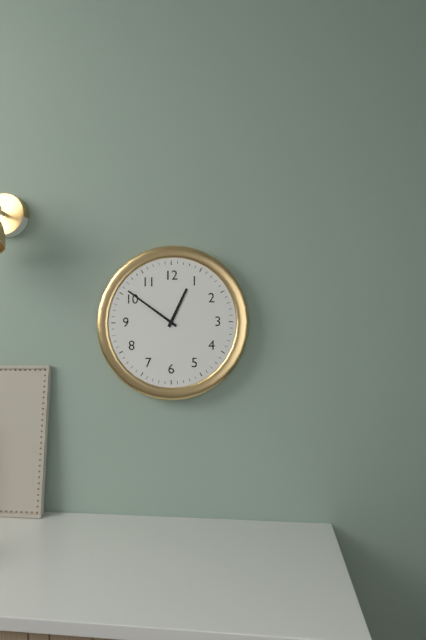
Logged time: 12 h 51 min
